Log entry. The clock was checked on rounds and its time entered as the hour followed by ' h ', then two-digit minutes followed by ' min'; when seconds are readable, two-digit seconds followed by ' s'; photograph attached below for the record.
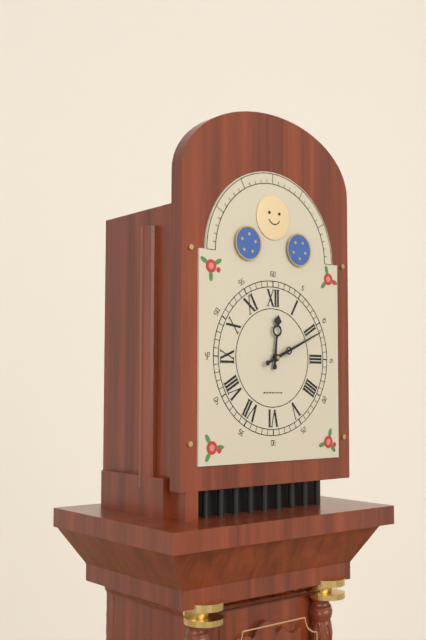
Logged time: 12 h 11 min
